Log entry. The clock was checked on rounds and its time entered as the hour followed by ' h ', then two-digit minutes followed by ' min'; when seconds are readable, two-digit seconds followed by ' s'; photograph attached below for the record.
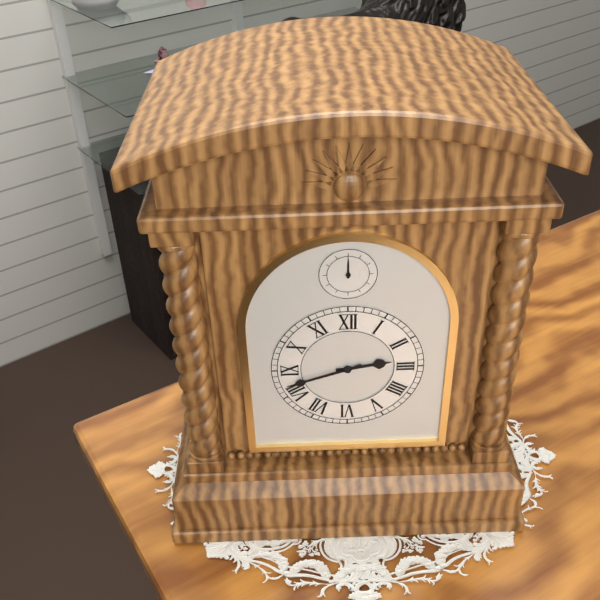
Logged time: 2 h 42 min
